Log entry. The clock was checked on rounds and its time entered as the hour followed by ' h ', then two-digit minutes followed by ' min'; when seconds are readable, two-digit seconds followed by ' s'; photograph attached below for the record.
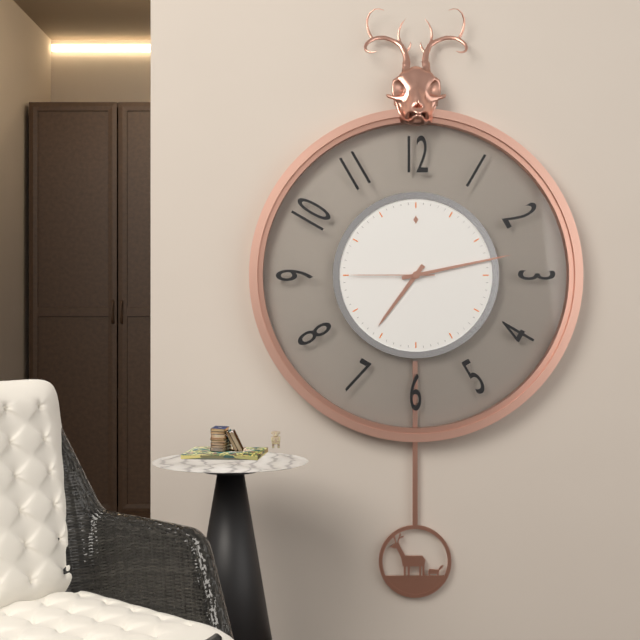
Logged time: 7 h 13 min 45 s
